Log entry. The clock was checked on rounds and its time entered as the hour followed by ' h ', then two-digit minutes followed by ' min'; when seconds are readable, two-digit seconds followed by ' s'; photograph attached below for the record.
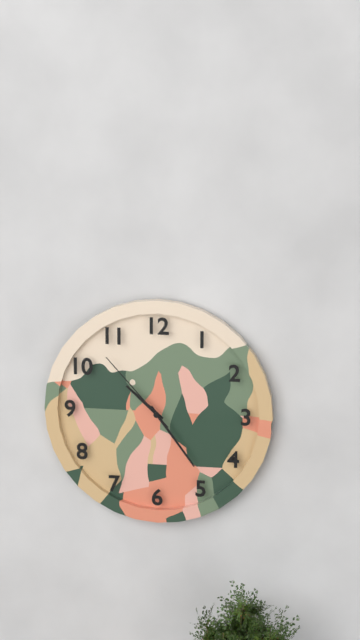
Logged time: 10 h 24 min 53 s
